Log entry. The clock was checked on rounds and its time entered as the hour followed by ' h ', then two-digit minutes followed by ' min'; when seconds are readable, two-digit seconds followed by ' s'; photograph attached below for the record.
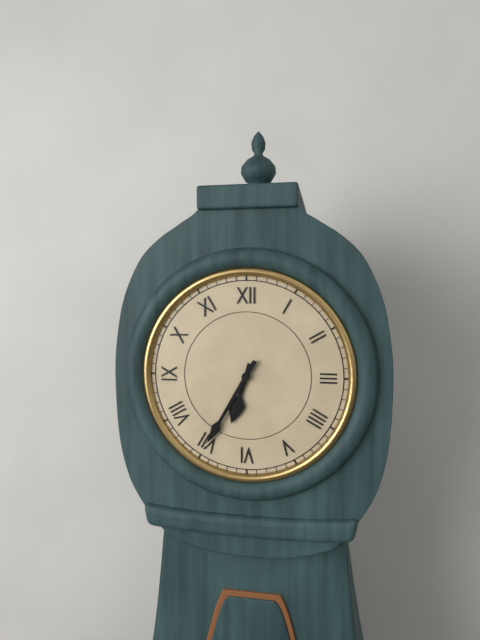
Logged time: 6 h 35 min
